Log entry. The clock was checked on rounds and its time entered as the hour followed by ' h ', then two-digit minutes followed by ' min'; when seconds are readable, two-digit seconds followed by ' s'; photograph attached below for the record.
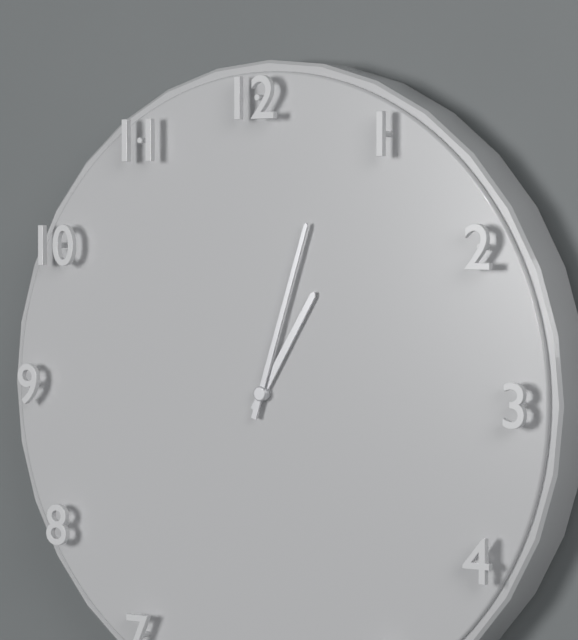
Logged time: 1 h 03 min
